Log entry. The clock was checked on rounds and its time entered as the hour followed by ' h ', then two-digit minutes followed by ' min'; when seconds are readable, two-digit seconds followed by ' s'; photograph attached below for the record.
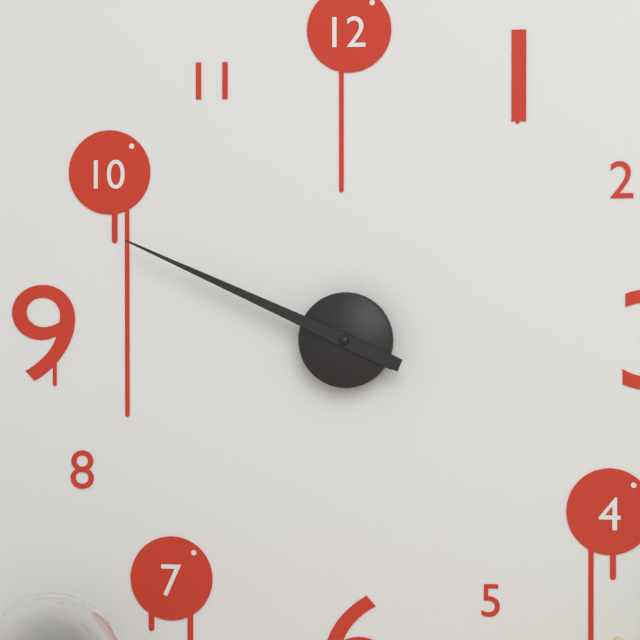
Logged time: 9 h 49 min
